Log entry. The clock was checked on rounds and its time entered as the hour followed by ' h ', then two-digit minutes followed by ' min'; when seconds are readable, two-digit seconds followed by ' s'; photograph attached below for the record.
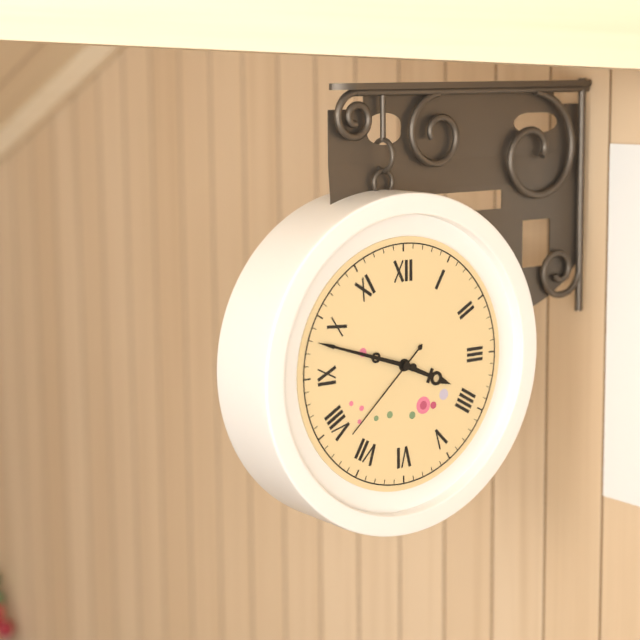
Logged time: 3 h 48 min 38 s
